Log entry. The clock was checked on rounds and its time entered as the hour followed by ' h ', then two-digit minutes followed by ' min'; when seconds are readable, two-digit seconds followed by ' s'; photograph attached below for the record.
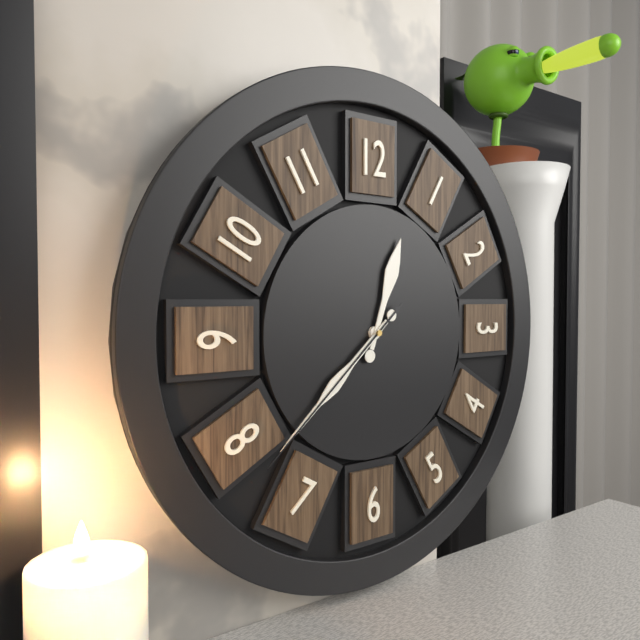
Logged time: 12 h 38 min 38 s
